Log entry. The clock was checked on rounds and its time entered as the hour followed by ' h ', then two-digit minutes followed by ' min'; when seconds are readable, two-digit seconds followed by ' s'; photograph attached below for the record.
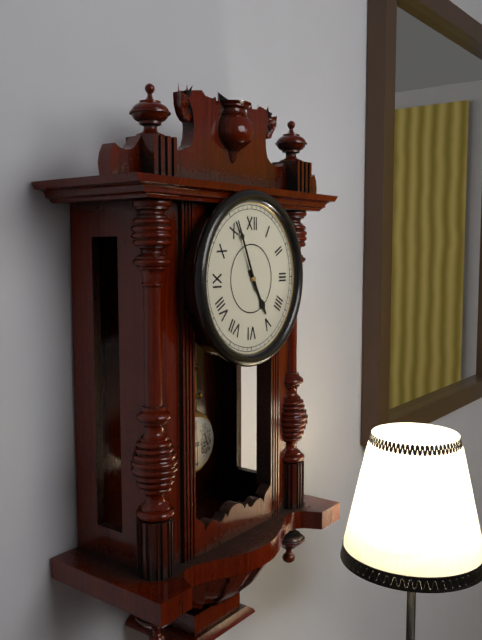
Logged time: 4 h 56 min
